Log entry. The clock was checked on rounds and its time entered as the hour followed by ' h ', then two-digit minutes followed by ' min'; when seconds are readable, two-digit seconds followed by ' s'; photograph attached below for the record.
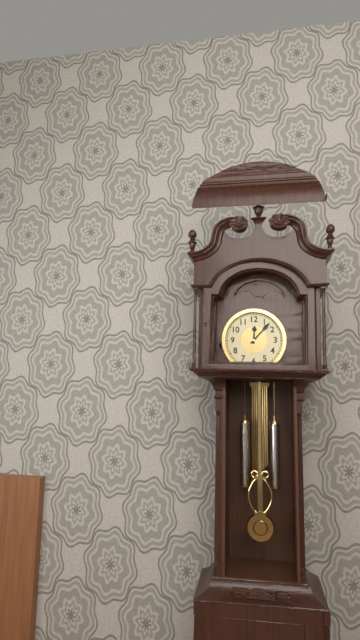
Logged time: 12 h 07 min
